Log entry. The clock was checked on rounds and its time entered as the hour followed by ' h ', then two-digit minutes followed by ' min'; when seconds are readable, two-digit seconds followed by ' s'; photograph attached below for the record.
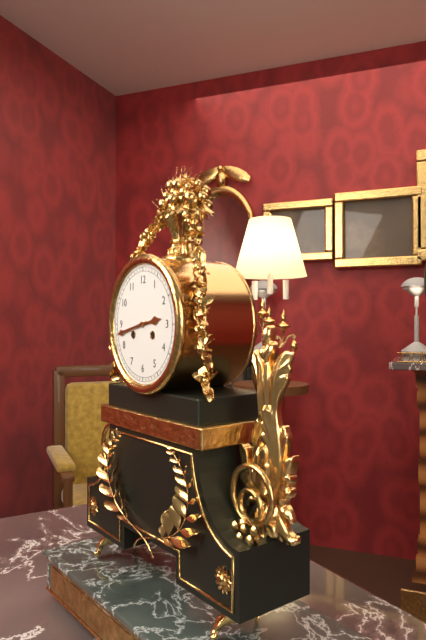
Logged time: 2 h 43 min
